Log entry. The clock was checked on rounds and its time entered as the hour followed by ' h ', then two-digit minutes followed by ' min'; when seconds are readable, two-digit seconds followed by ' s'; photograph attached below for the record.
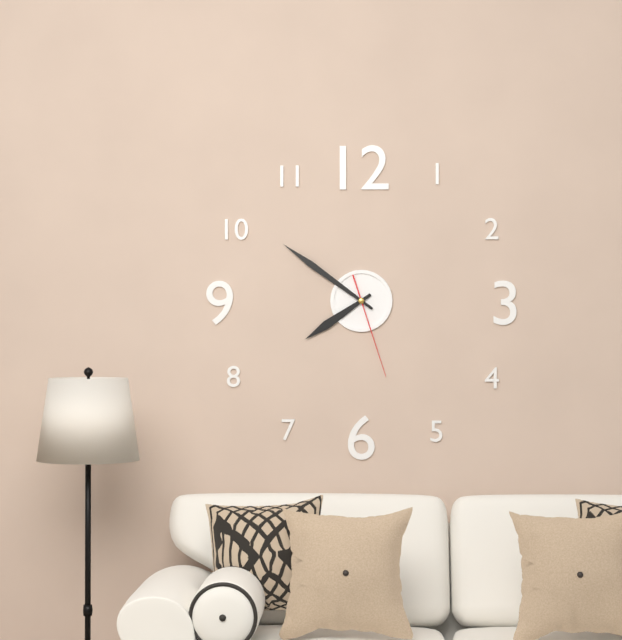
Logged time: 7 h 51 min 27 s
